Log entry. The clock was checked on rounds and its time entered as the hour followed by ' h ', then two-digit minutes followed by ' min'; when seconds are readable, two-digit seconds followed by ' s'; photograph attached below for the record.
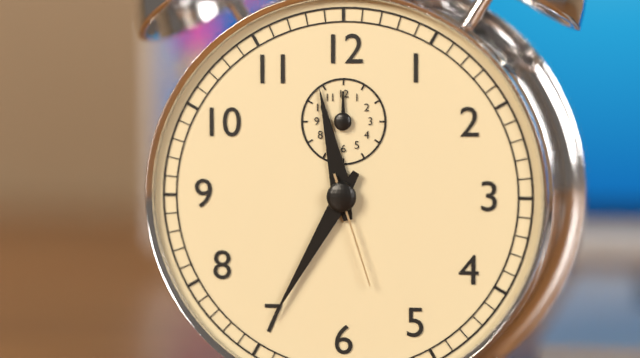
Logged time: 11 h 35 min 27 s
